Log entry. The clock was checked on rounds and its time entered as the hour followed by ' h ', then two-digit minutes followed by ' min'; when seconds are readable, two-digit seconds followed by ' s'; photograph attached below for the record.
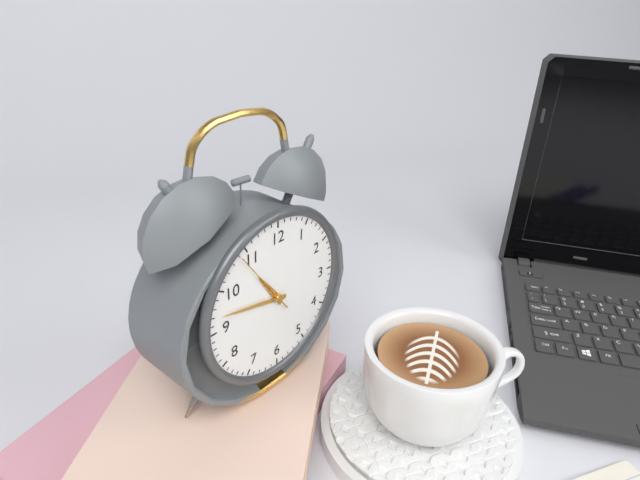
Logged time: 10 h 47 min 54 s
